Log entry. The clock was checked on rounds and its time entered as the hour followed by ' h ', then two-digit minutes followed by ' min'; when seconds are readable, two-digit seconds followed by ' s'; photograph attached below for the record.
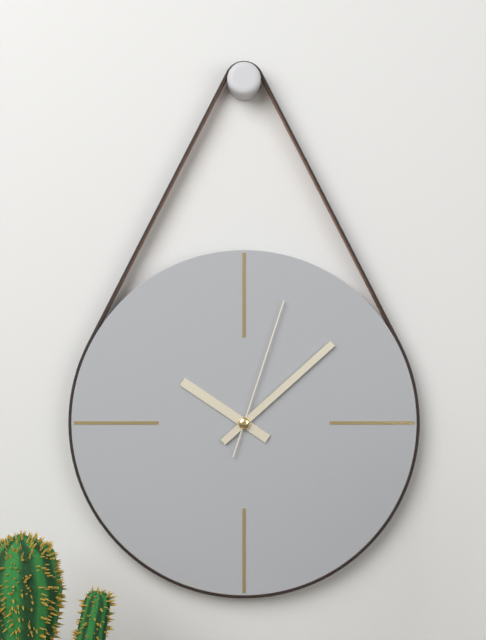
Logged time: 10 h 08 min 03 s
